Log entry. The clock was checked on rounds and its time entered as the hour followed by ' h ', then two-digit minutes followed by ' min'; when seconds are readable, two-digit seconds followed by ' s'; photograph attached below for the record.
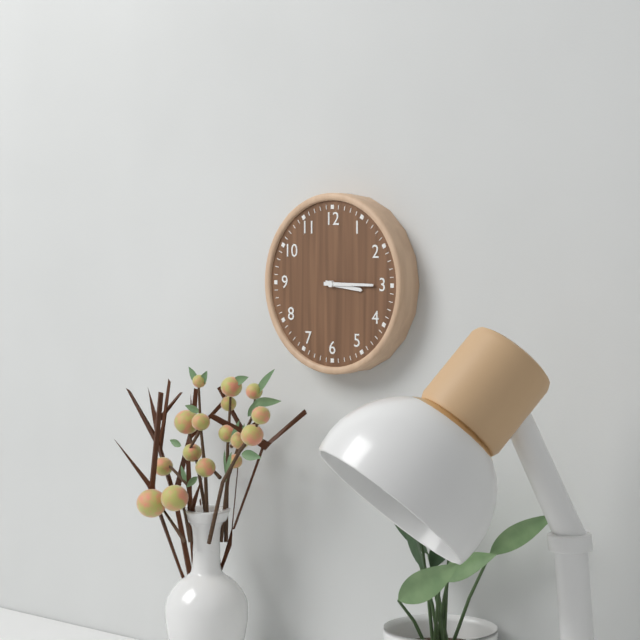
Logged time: 3 h 15 min
